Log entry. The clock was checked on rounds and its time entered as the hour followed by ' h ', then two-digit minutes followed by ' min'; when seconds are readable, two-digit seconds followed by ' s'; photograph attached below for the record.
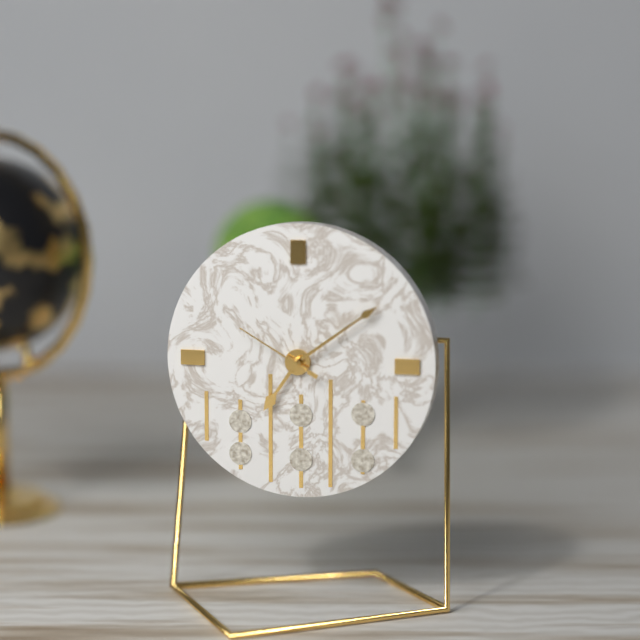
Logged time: 7 h 09 min 50 s
